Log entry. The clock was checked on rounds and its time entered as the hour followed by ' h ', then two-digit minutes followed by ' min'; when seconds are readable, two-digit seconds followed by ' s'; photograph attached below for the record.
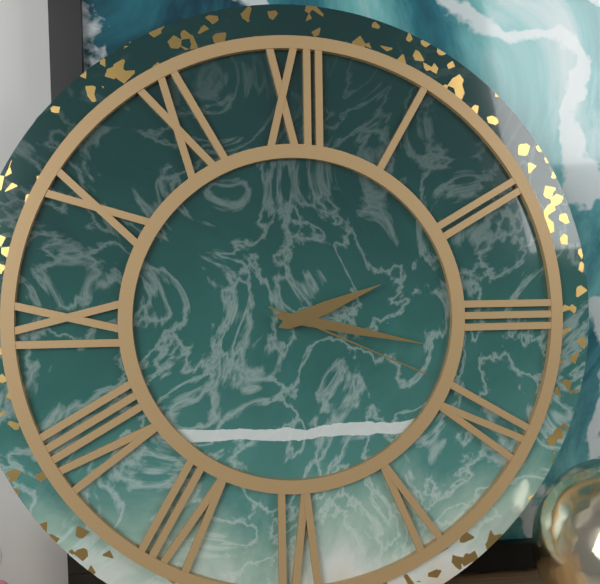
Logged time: 2 h 17 min 19 s
